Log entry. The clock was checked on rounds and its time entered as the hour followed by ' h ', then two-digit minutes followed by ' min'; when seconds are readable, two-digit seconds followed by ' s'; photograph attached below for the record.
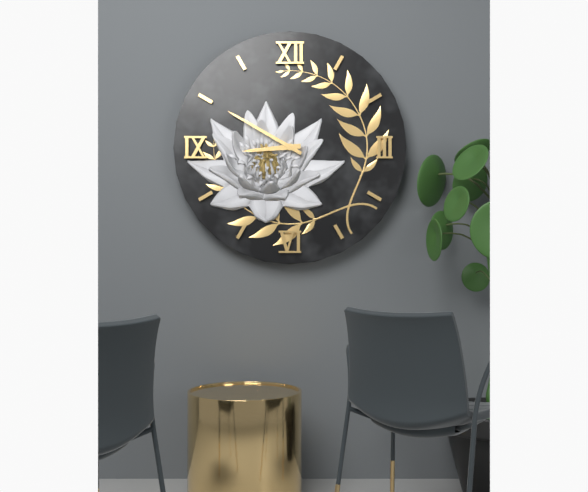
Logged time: 8 h 50 min
